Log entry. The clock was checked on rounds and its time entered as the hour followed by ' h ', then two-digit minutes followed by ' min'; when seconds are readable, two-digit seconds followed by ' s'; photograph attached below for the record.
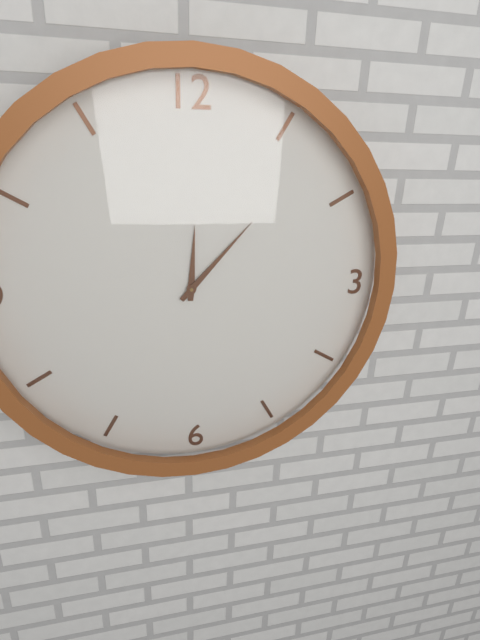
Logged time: 12 h 07 min
